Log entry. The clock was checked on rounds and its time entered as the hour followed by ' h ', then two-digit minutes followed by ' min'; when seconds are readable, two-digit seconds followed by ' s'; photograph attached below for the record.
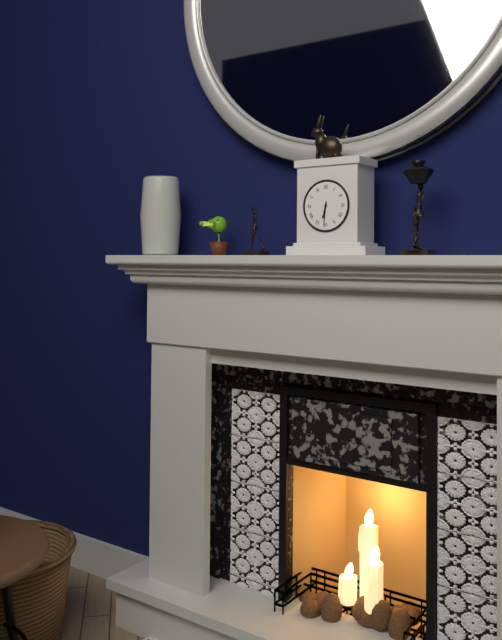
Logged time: 6 h 31 min
